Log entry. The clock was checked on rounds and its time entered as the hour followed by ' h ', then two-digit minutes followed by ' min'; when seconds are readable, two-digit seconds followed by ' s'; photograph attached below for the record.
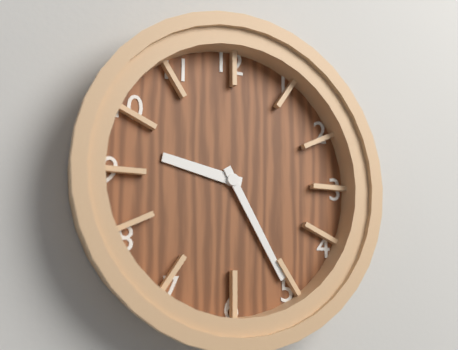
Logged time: 9 h 25 min
